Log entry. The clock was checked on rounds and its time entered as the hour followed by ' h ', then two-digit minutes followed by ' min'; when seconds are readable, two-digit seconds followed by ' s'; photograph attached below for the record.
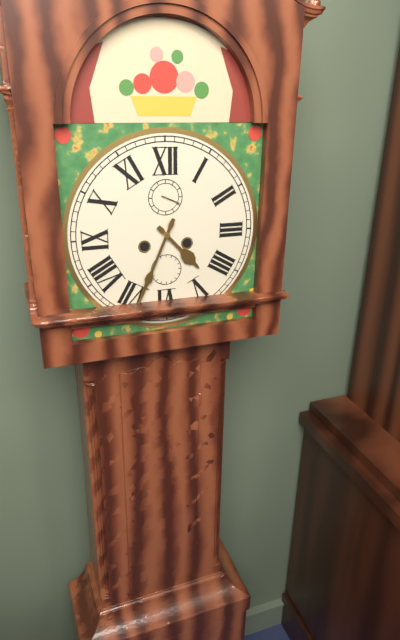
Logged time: 4 h 34 min
